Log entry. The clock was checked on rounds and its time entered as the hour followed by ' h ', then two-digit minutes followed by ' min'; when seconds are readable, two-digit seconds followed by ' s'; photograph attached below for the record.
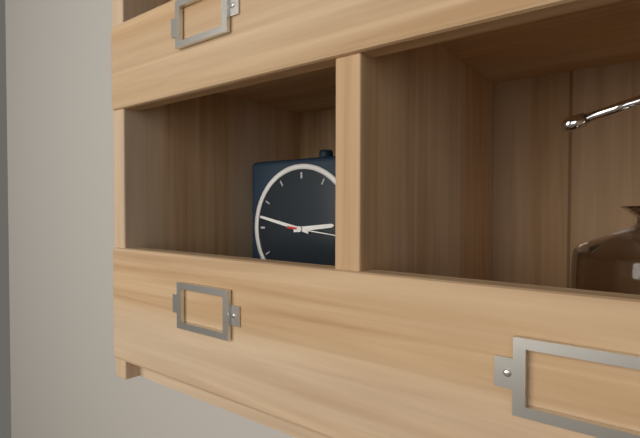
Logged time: 2 h 47 min 16 s
